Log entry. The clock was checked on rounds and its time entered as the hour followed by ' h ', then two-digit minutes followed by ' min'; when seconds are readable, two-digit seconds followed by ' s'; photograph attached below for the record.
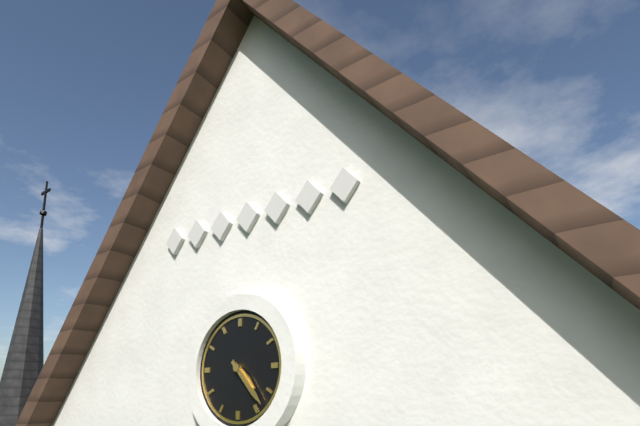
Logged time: 4 h 23 min
